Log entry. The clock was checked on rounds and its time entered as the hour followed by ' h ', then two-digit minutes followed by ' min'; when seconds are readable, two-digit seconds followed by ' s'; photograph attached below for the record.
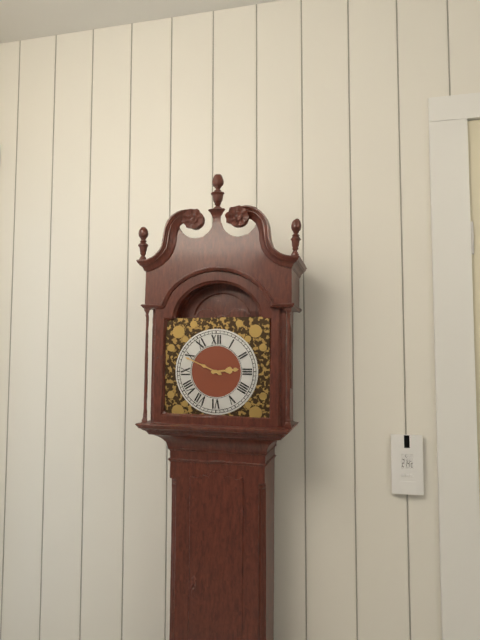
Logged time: 2 h 49 min
